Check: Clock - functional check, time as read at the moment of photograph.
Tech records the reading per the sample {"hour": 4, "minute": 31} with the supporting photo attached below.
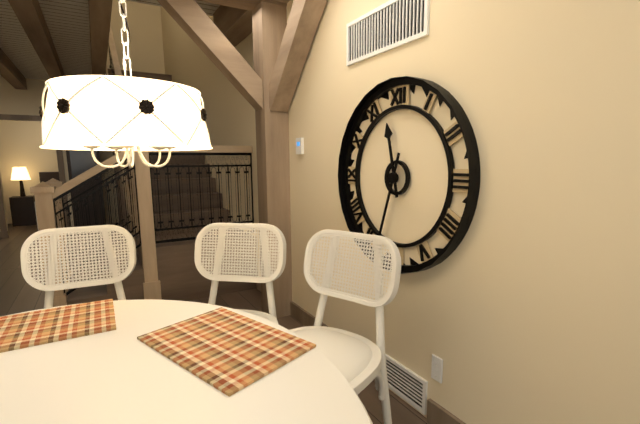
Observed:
{"hour": 11, "minute": 33}
